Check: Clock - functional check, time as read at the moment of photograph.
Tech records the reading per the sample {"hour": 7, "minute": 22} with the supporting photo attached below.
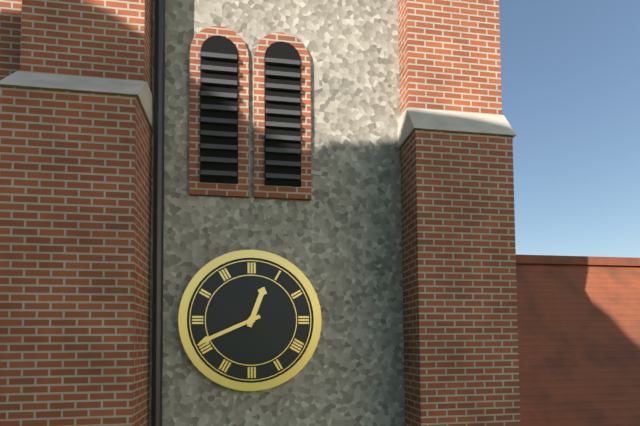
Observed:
{"hour": 12, "minute": 41}
